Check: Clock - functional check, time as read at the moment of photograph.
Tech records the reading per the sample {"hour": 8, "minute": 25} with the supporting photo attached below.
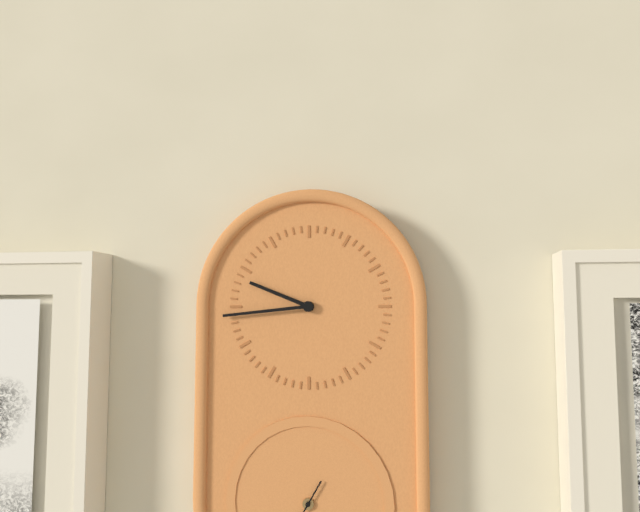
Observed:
{"hour": 9, "minute": 44}
